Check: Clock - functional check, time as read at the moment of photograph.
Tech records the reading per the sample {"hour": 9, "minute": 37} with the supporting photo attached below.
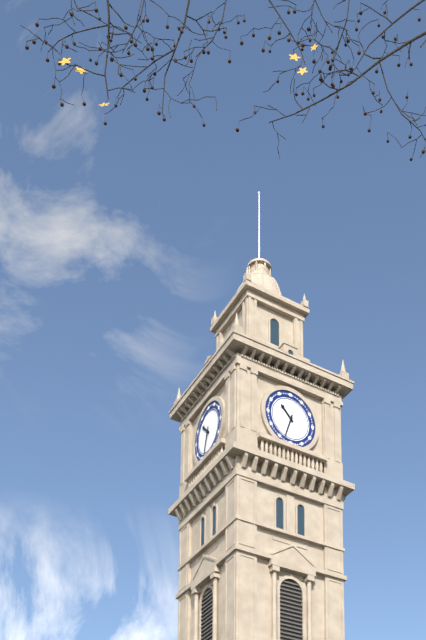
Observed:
{"hour": 10, "minute": 33}
